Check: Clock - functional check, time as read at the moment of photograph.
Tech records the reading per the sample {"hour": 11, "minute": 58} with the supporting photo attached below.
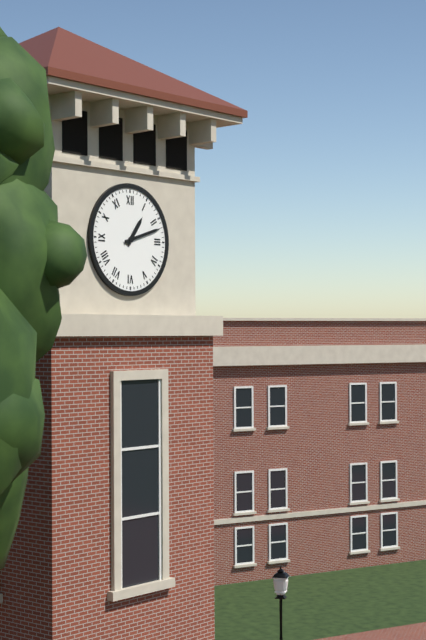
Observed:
{"hour": 1, "minute": 12}
